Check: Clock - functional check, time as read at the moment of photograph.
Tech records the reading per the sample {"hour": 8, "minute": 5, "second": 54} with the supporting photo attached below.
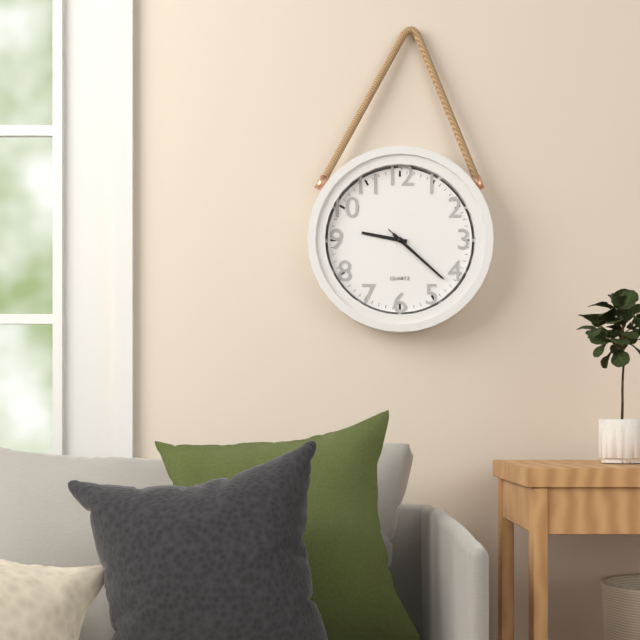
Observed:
{"hour": 9, "minute": 22, "second": 22}
